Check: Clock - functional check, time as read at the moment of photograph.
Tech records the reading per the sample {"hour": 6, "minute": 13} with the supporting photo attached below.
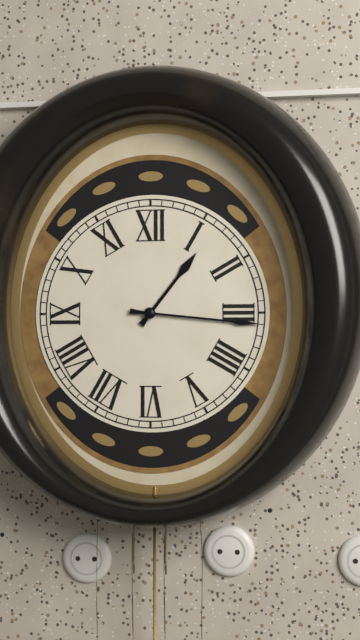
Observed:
{"hour": 1, "minute": 16}
